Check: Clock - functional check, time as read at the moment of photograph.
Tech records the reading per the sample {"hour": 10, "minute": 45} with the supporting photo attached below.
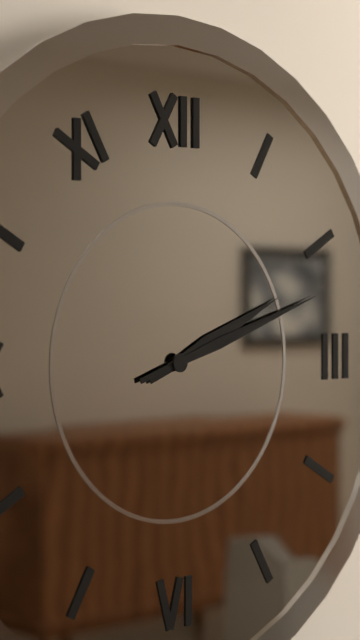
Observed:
{"hour": 2, "minute": 12}
